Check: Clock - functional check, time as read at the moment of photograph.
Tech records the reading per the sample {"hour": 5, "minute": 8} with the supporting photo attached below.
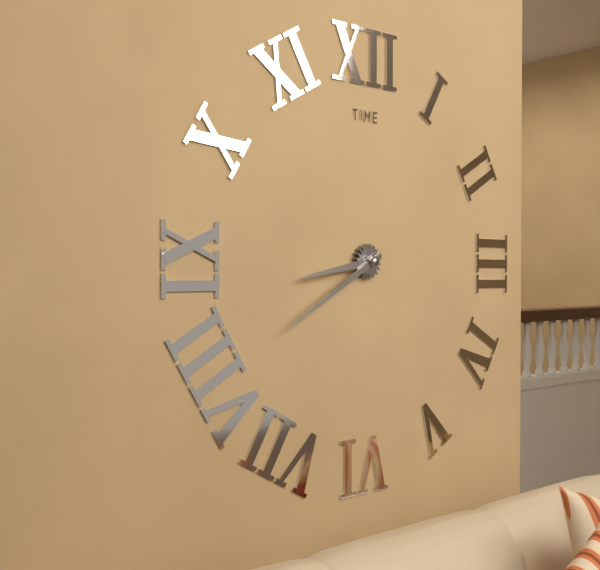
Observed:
{"hour": 8, "minute": 40}
